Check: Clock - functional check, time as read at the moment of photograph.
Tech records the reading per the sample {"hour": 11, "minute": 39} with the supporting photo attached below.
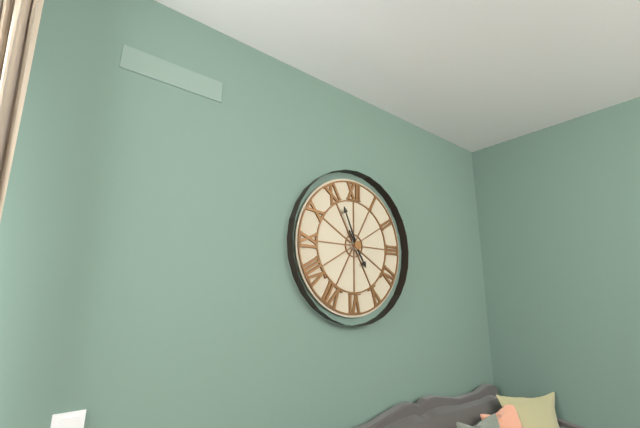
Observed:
{"hour": 4, "minute": 56}
